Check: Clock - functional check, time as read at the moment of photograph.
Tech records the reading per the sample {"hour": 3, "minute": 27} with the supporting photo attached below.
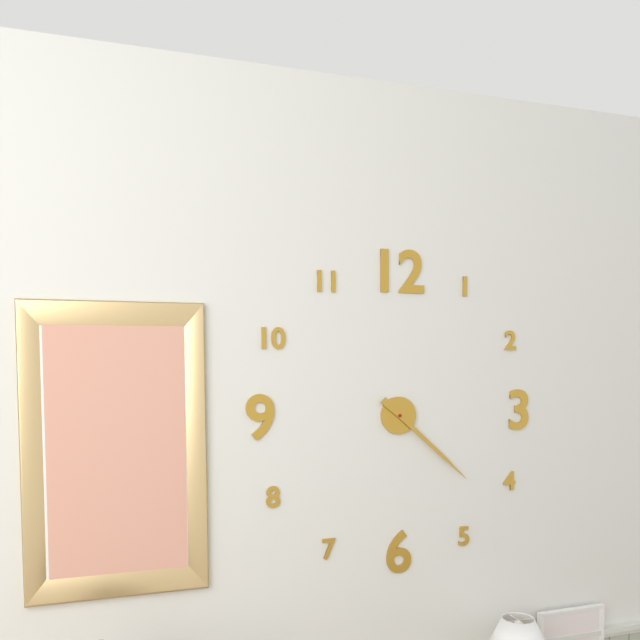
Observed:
{"hour": 4, "minute": 22}
